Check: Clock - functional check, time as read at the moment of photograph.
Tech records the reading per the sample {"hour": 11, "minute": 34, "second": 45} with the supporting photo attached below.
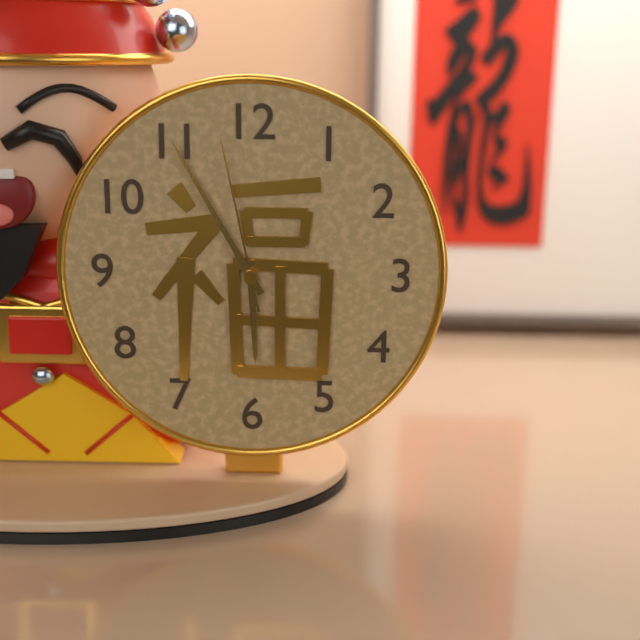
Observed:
{"hour": 5, "minute": 55, "second": 58}
